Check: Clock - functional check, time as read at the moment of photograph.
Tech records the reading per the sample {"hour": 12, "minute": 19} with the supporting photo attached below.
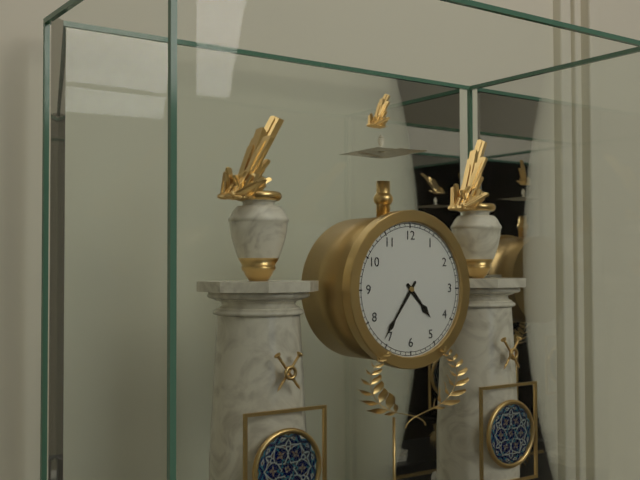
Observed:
{"hour": 4, "minute": 36}
